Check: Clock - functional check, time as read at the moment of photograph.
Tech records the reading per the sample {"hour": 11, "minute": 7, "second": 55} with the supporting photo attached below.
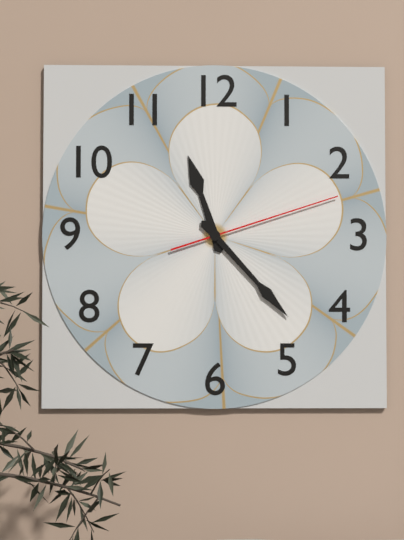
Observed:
{"hour": 11, "minute": 23, "second": 12}
